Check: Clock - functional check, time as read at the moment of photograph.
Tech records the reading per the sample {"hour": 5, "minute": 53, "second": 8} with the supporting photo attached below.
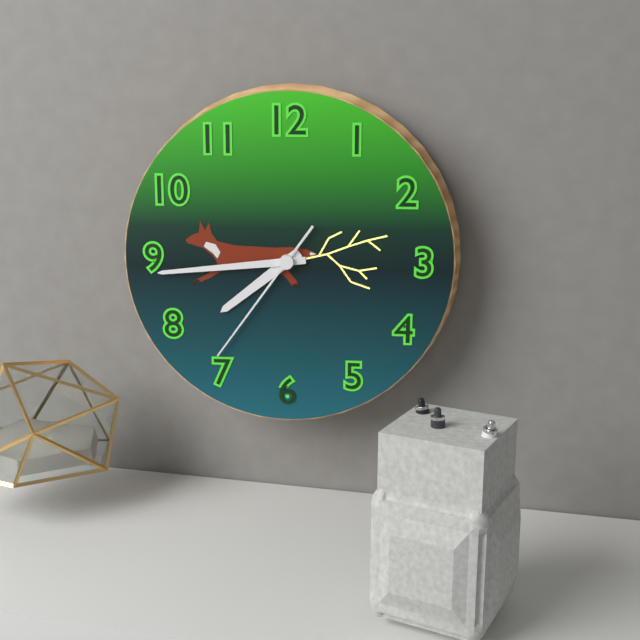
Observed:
{"hour": 7, "minute": 44, "second": 36}
